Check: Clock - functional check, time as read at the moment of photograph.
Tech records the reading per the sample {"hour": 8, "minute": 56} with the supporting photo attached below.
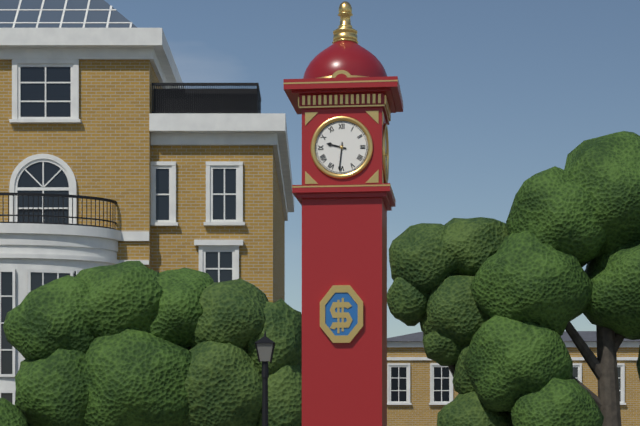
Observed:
{"hour": 9, "minute": 31}
